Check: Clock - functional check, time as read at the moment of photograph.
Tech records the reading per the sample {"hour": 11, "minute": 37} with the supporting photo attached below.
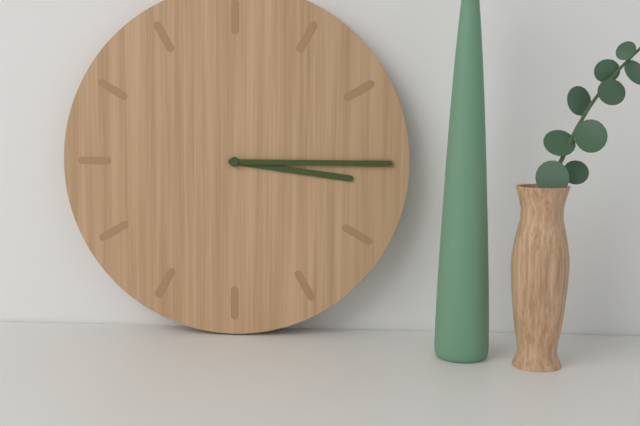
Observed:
{"hour": 3, "minute": 15}
